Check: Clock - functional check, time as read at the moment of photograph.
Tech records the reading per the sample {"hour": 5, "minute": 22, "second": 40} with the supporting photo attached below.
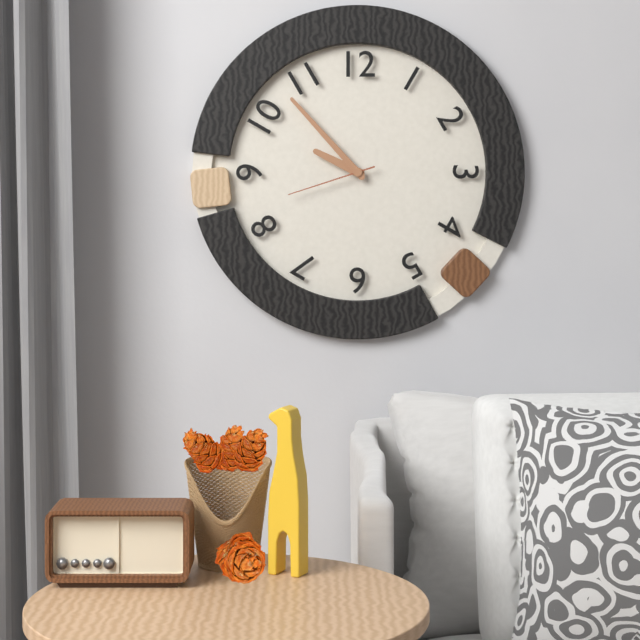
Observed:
{"hour": 9, "minute": 53, "second": 42}
